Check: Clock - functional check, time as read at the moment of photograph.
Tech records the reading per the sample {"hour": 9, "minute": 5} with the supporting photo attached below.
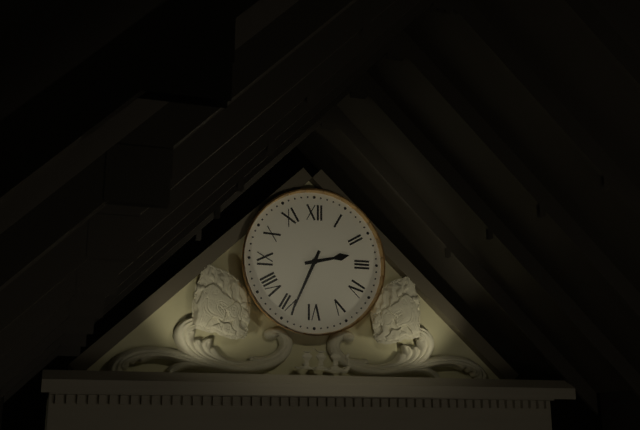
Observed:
{"hour": 2, "minute": 34}
